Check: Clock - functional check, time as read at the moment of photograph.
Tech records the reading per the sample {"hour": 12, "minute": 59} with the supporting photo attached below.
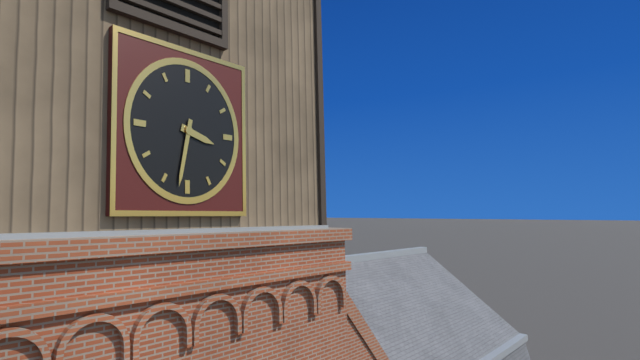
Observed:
{"hour": 3, "minute": 32}
